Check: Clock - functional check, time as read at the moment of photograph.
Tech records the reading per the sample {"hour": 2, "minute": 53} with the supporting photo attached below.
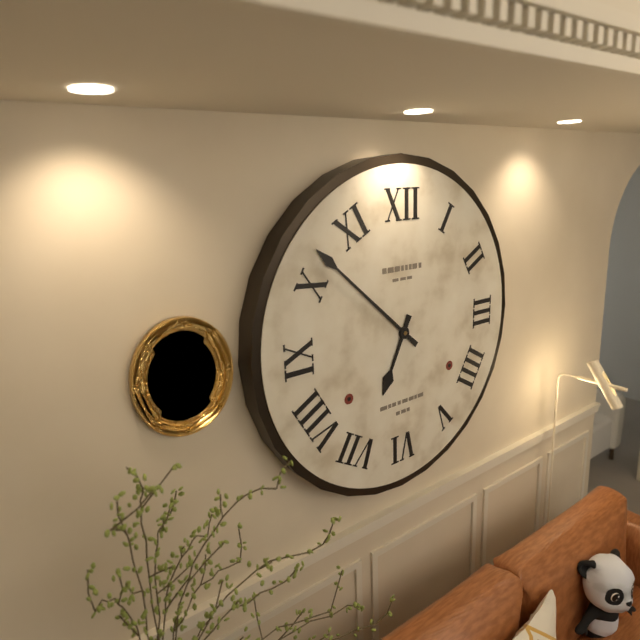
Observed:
{"hour": 6, "minute": 52}
